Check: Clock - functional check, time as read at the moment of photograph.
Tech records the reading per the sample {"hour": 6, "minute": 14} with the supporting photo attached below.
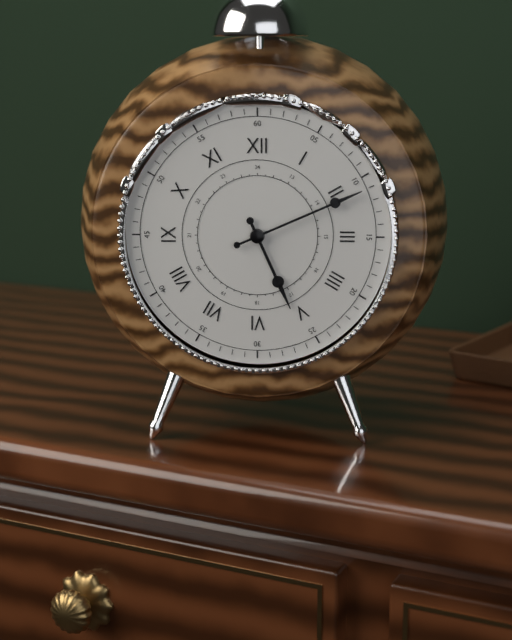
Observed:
{"hour": 5, "minute": 11}
